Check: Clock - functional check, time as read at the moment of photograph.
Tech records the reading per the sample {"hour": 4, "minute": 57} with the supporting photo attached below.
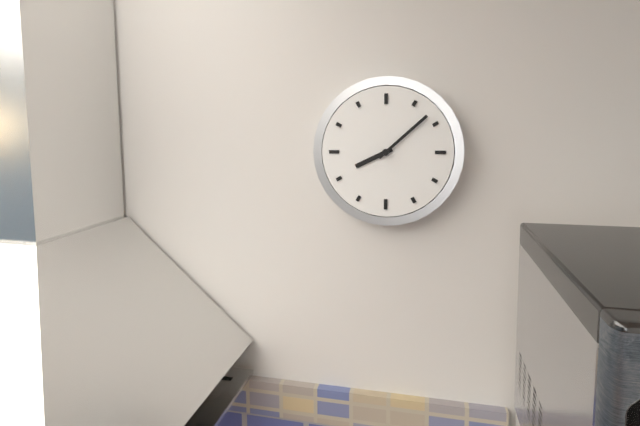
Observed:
{"hour": 8, "minute": 8}
